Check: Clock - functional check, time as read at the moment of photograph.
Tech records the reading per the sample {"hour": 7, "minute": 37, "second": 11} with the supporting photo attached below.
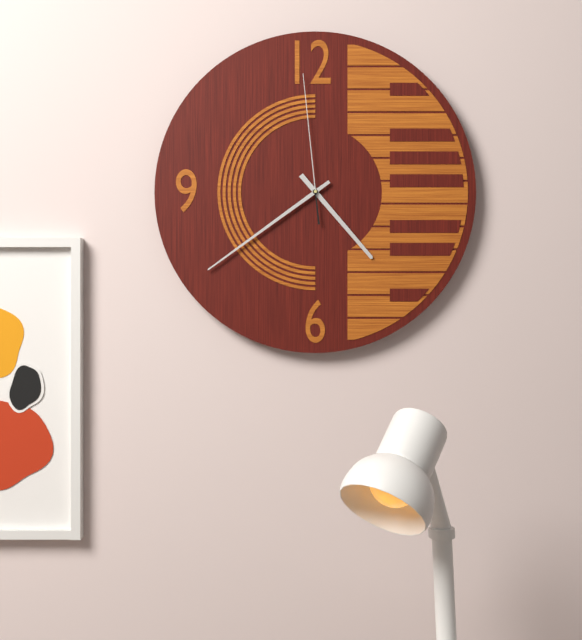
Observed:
{"hour": 4, "minute": 39, "second": 59}
